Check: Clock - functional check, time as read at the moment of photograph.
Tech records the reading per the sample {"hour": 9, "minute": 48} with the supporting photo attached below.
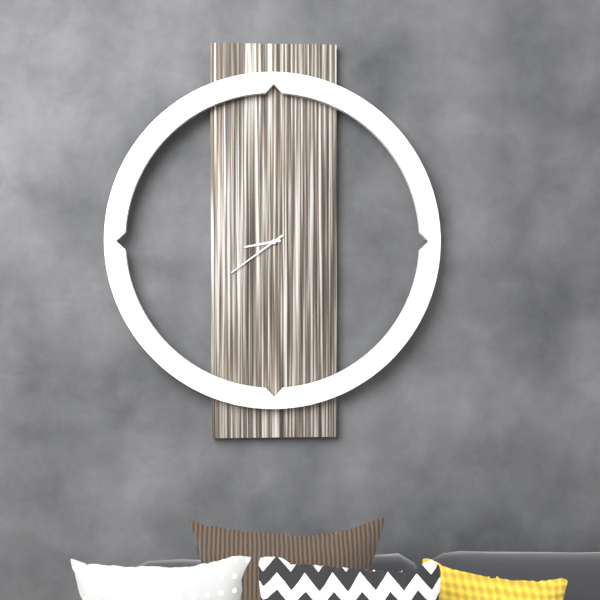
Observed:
{"hour": 8, "minute": 39}
